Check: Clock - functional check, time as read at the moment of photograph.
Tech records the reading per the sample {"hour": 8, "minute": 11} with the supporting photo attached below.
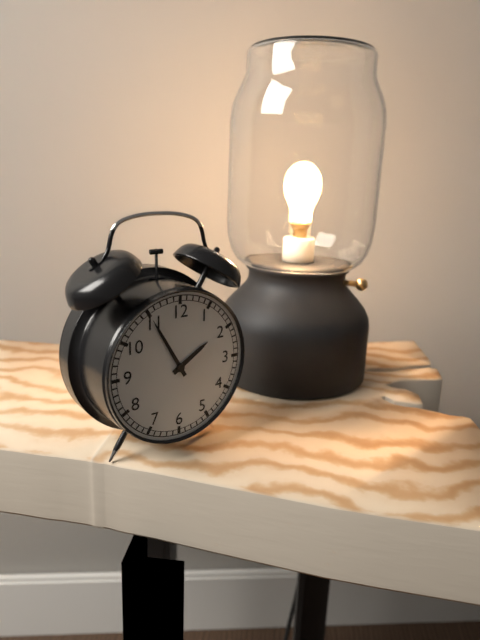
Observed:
{"hour": 1, "minute": 55}
